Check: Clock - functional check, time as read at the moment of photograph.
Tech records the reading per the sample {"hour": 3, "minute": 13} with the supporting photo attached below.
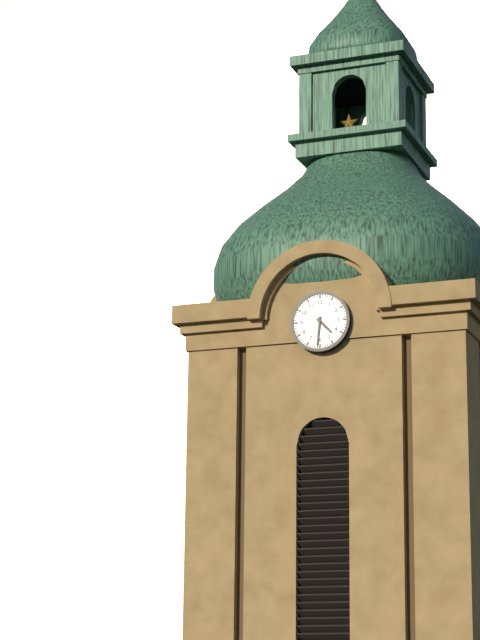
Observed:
{"hour": 4, "minute": 31}
